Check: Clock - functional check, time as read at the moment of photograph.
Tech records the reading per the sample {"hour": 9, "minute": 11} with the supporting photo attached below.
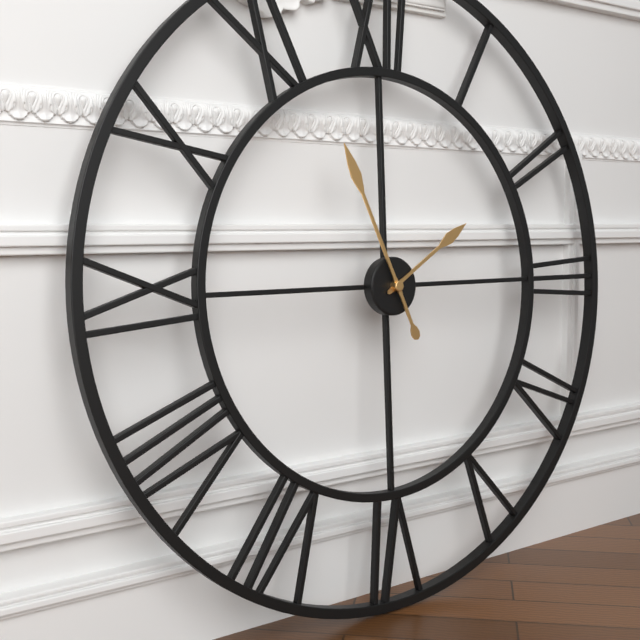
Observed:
{"hour": 1, "minute": 56}
